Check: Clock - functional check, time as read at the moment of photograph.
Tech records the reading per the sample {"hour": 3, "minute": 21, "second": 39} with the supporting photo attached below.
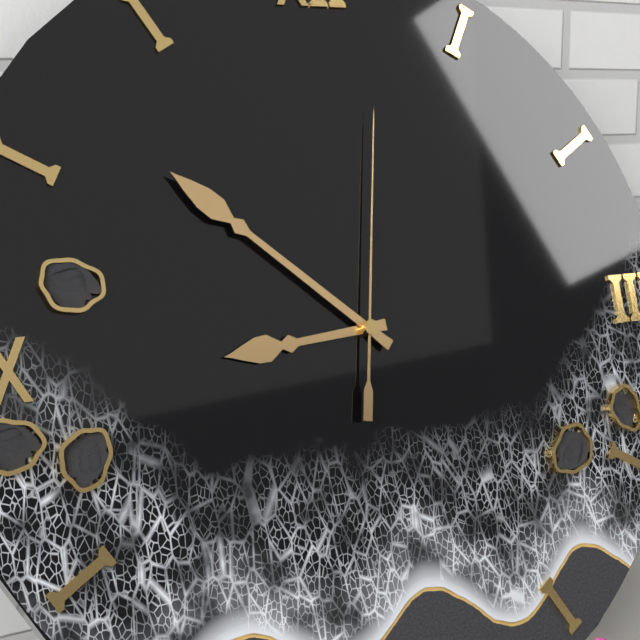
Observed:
{"hour": 8, "minute": 52, "second": 2}
